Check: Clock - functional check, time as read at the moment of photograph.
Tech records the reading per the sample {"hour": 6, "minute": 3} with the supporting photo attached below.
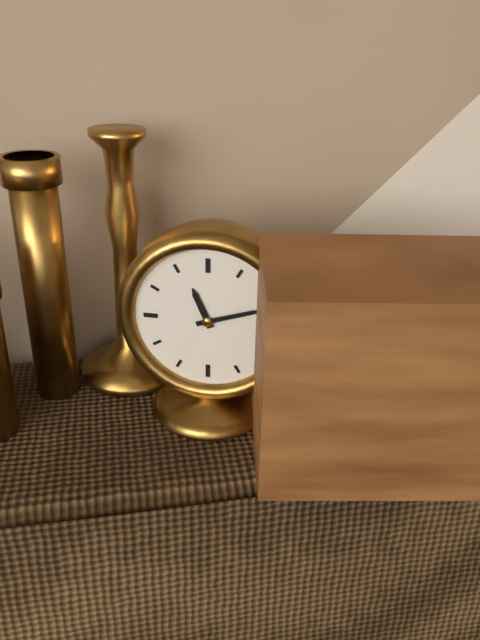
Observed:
{"hour": 11, "minute": 12}
